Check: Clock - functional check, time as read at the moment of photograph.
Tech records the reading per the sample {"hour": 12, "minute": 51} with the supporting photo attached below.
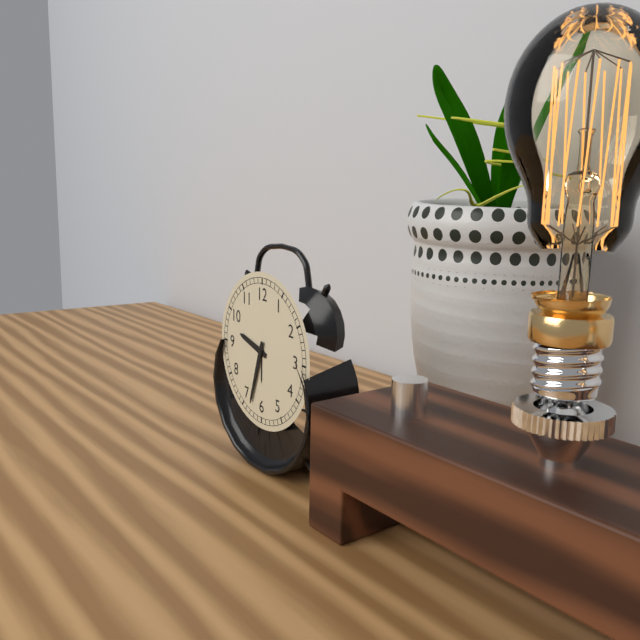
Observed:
{"hour": 9, "minute": 33}
